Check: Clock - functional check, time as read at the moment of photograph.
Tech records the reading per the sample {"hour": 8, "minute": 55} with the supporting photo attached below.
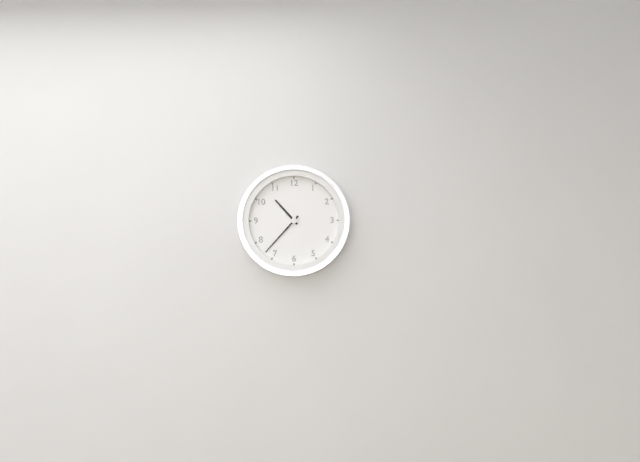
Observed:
{"hour": 10, "minute": 37}
